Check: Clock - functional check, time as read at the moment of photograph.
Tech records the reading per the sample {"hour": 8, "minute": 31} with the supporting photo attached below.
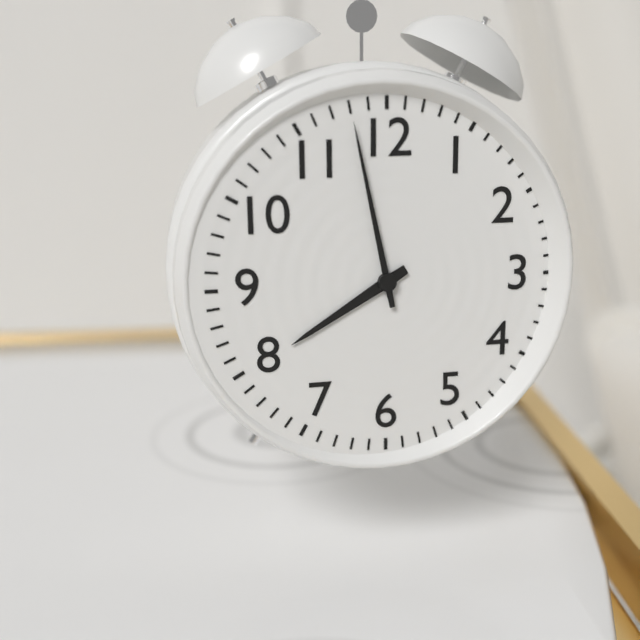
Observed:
{"hour": 7, "minute": 58}
